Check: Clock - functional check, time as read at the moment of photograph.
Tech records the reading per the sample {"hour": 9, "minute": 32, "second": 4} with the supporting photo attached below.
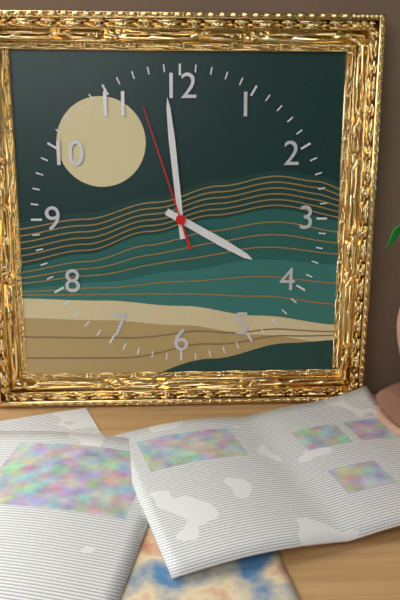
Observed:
{"hour": 3, "minute": 59, "second": 57}
